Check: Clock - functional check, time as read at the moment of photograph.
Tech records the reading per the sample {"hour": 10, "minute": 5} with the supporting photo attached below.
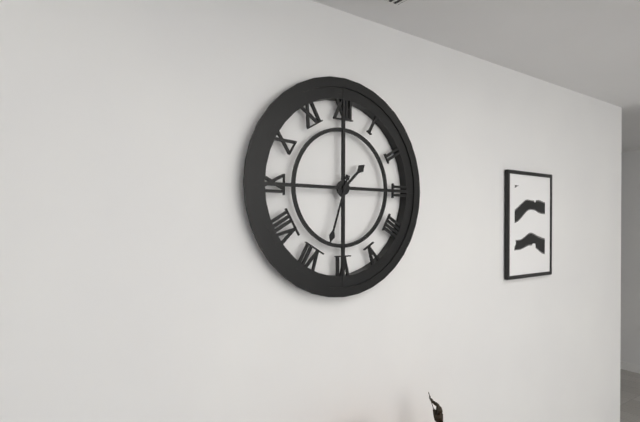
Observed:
{"hour": 1, "minute": 33}
